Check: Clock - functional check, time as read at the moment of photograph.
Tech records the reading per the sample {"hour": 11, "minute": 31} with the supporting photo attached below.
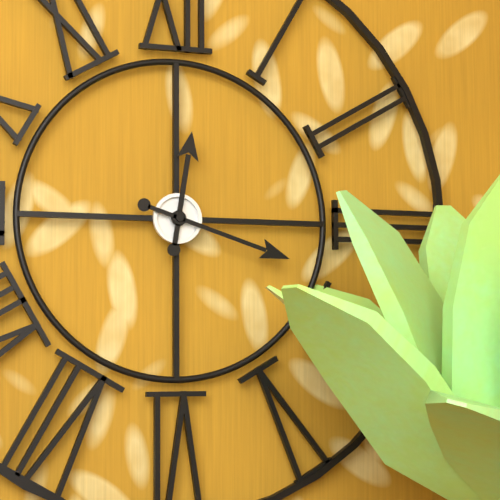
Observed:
{"hour": 12, "minute": 18}
